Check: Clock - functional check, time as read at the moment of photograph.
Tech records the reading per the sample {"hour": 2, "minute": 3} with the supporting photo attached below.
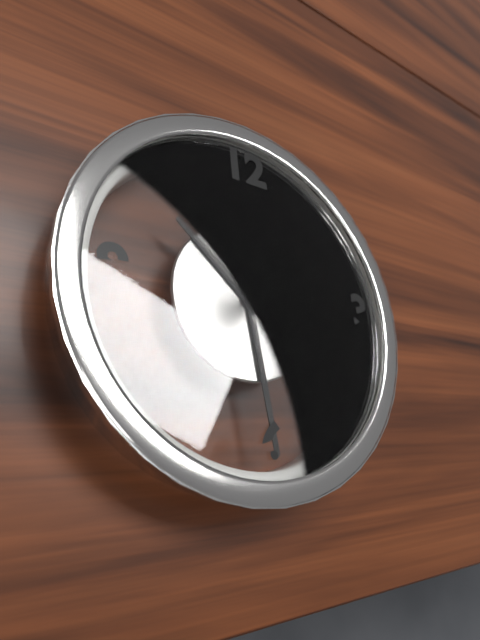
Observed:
{"hour": 10, "minute": 29}
